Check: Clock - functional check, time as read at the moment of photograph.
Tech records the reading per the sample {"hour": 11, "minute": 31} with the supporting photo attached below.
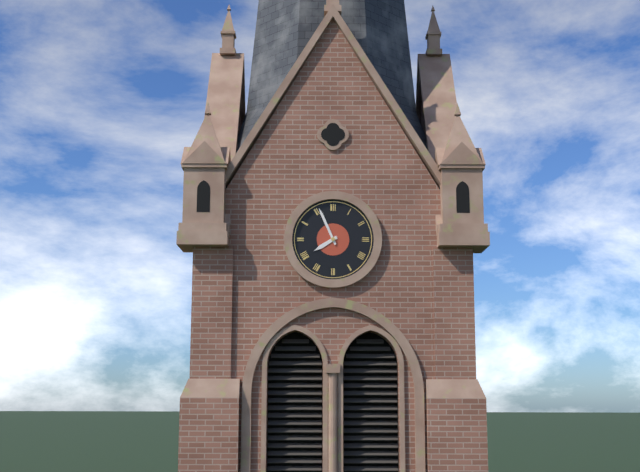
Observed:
{"hour": 7, "minute": 56}
